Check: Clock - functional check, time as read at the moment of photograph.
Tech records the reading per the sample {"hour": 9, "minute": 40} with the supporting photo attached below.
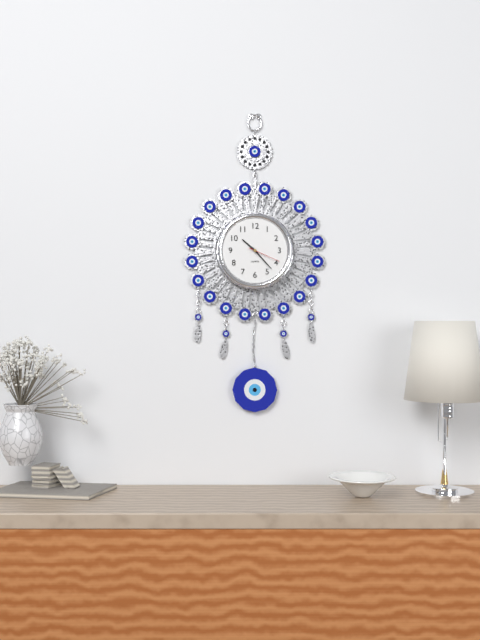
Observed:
{"hour": 10, "minute": 23}
